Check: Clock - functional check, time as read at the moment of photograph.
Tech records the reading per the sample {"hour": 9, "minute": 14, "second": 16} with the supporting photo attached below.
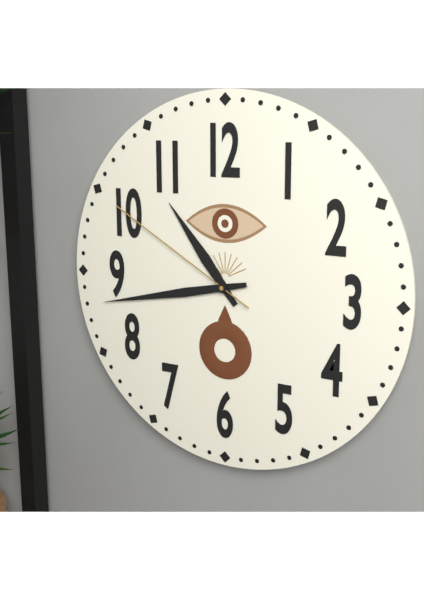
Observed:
{"hour": 10, "minute": 43, "second": 50}
